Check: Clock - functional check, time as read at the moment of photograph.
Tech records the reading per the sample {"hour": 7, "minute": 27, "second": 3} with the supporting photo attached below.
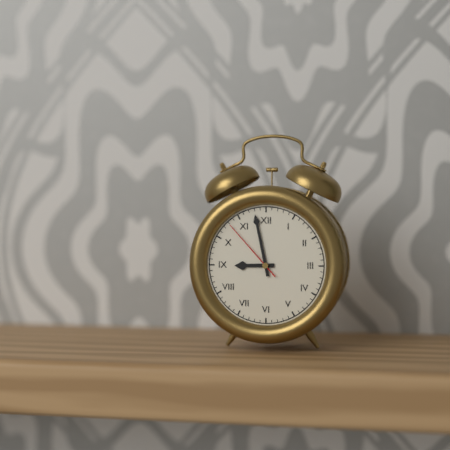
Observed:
{"hour": 8, "minute": 58, "second": 53}
